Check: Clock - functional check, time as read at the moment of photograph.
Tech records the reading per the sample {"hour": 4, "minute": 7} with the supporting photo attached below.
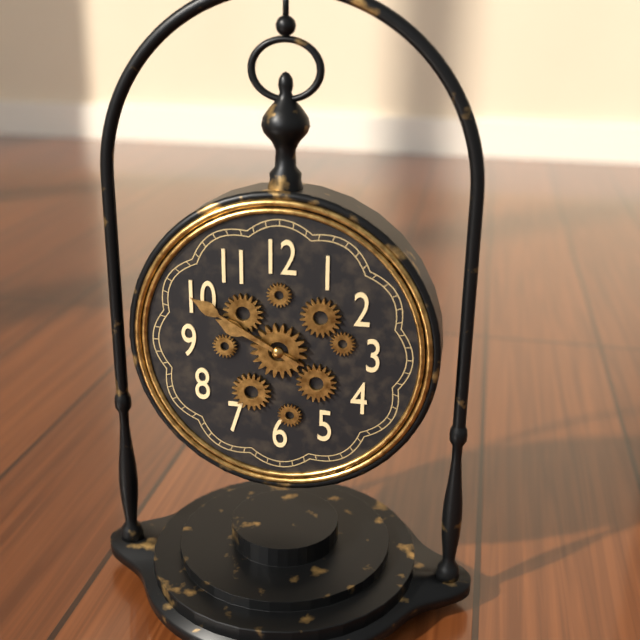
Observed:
{"hour": 9, "minute": 50}
